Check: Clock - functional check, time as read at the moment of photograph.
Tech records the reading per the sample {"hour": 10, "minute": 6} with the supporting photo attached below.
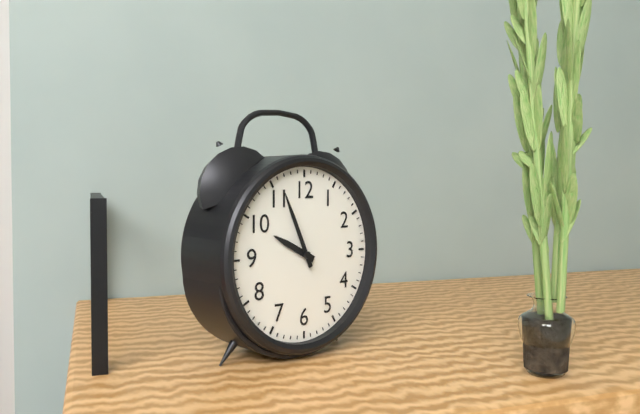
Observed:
{"hour": 9, "minute": 56}
